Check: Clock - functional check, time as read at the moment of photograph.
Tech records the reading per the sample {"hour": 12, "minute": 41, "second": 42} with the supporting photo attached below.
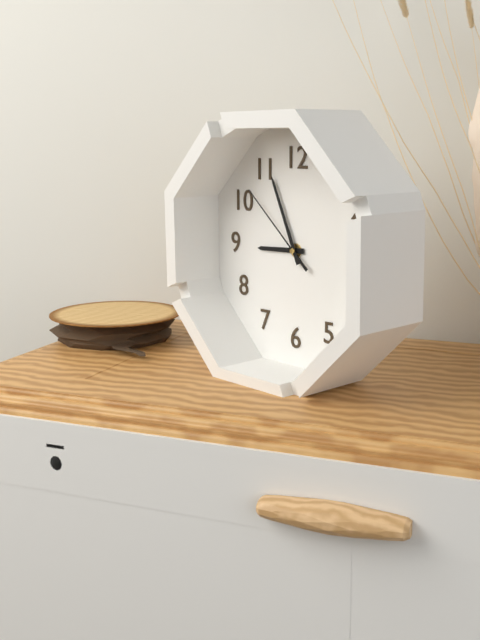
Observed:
{"hour": 8, "minute": 56, "second": 52}
